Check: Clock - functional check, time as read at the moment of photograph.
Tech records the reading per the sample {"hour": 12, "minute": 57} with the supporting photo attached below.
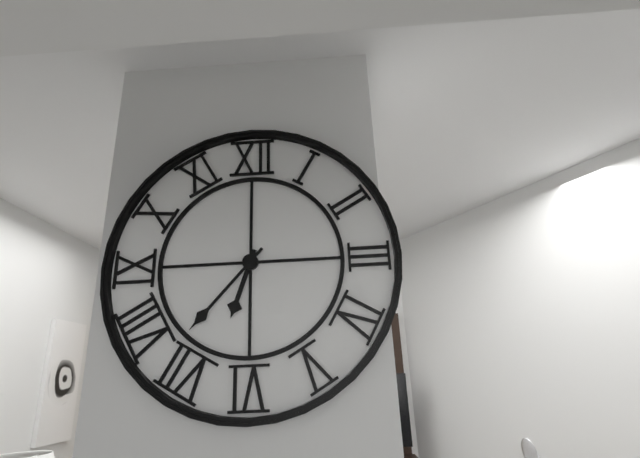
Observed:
{"hour": 6, "minute": 37}
